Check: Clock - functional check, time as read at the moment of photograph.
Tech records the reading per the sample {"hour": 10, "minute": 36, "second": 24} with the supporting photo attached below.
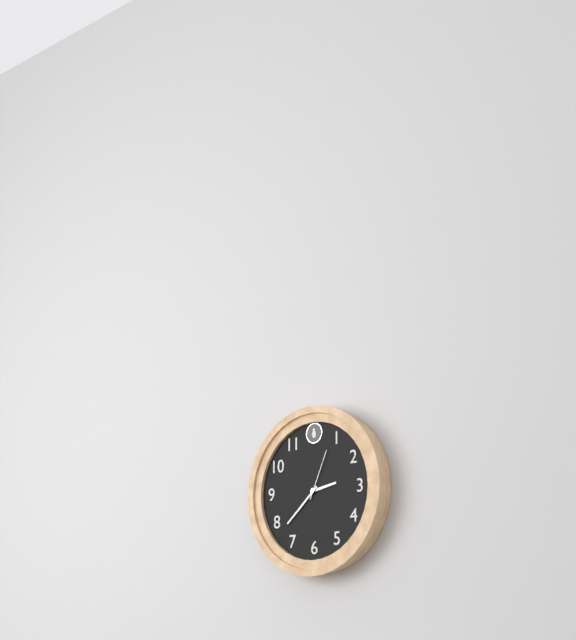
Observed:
{"hour": 2, "minute": 38, "second": 4}
